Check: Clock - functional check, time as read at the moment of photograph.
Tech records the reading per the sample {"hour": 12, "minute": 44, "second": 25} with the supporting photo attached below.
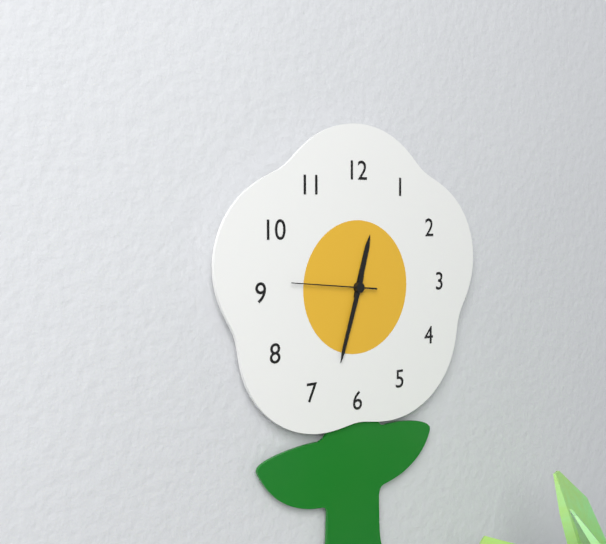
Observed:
{"hour": 12, "minute": 33, "second": 46}
